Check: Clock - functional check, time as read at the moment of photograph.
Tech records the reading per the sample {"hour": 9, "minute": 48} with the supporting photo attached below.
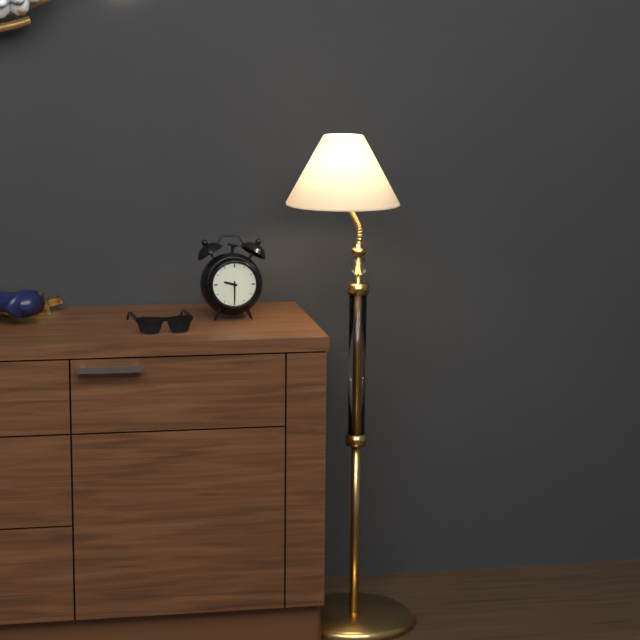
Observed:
{"hour": 9, "minute": 30}
